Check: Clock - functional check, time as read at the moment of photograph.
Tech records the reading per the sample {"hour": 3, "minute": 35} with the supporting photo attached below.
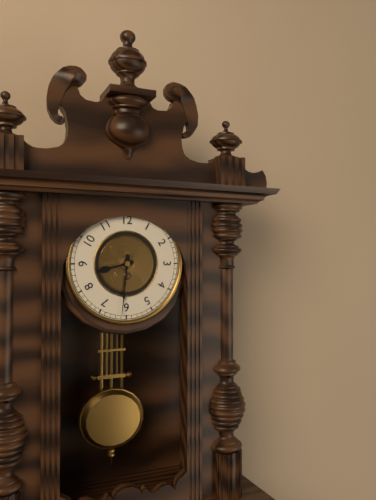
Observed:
{"hour": 8, "minute": 31}
